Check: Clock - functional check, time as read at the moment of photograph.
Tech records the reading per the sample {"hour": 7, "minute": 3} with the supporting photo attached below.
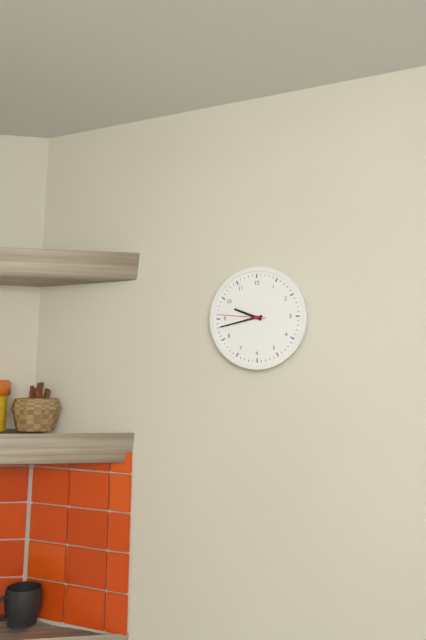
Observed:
{"hour": 9, "minute": 43}
